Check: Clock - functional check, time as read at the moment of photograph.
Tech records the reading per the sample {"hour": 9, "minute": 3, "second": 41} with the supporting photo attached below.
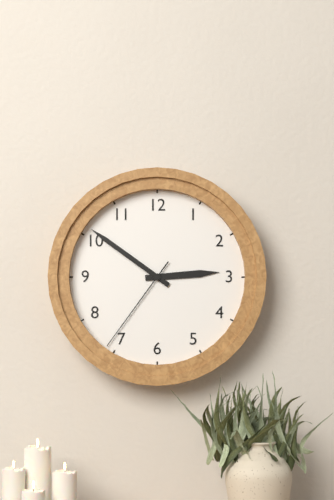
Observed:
{"hour": 2, "minute": 51, "second": 36}
